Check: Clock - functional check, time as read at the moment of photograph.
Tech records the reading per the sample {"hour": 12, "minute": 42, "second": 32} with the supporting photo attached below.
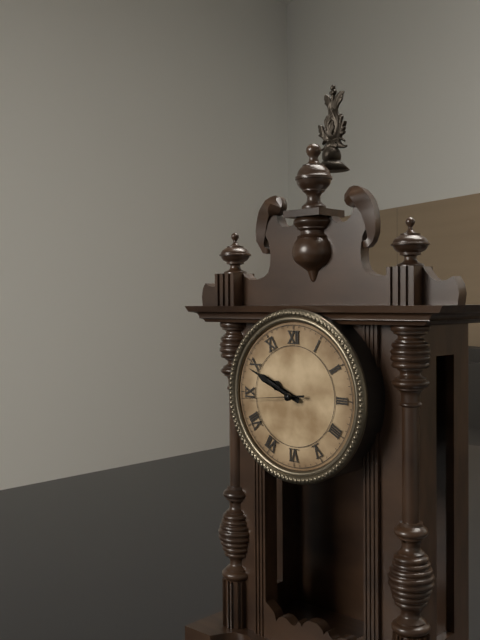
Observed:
{"hour": 9, "minute": 49, "second": 44}
